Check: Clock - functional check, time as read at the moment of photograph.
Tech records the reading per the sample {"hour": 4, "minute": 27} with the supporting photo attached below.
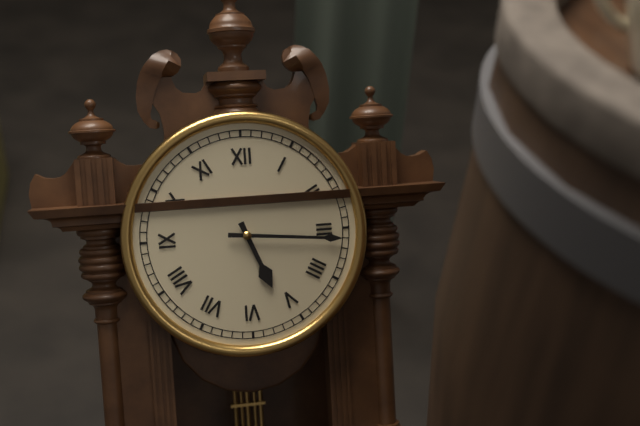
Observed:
{"hour": 5, "minute": 16}
